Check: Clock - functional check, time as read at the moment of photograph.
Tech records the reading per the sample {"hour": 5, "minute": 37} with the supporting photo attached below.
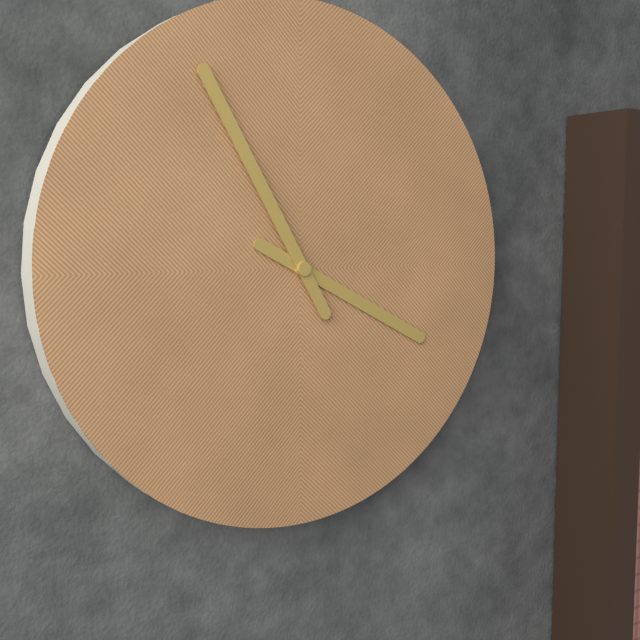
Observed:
{"hour": 3, "minute": 55}
